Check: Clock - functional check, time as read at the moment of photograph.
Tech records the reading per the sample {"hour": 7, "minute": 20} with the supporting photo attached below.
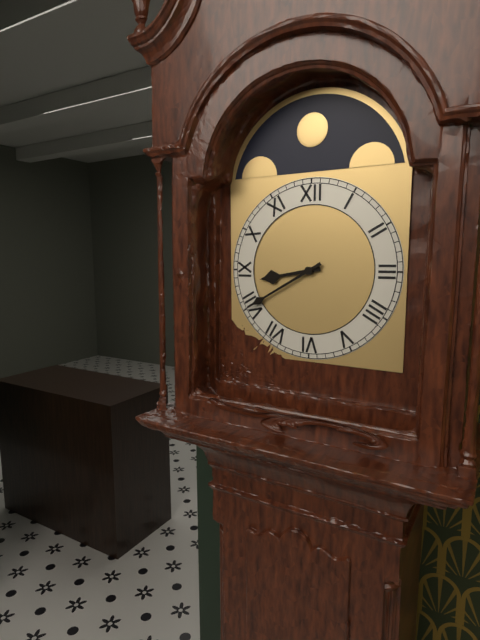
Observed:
{"hour": 8, "minute": 40}
